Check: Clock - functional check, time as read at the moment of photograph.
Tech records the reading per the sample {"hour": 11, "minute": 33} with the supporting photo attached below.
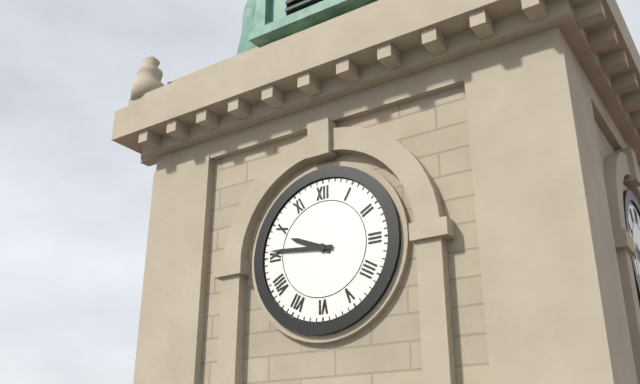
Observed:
{"hour": 9, "minute": 46}
